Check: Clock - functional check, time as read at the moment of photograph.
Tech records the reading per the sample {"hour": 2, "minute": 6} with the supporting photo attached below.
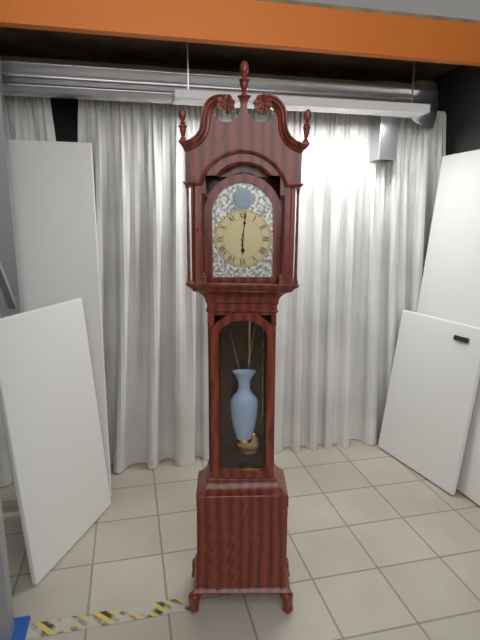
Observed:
{"hour": 6, "minute": 1}
